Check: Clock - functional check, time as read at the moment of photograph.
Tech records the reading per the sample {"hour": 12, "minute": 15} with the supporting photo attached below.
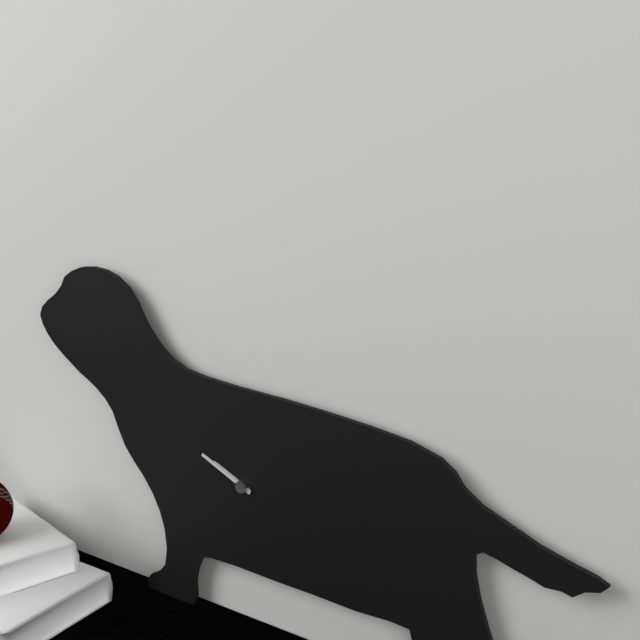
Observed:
{"hour": 9, "minute": 49}
